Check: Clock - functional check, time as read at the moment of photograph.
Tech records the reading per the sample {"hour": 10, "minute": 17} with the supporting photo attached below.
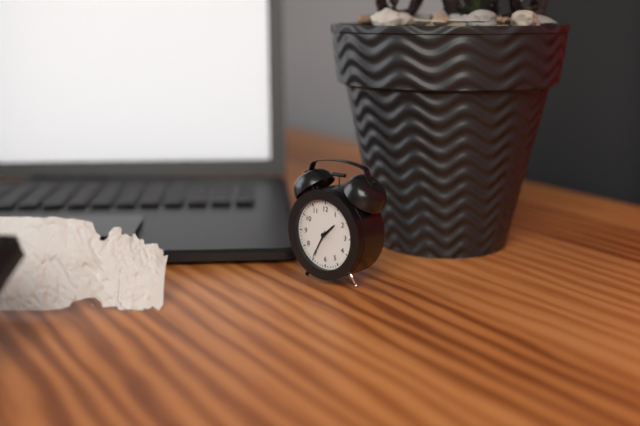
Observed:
{"hour": 1, "minute": 35}
